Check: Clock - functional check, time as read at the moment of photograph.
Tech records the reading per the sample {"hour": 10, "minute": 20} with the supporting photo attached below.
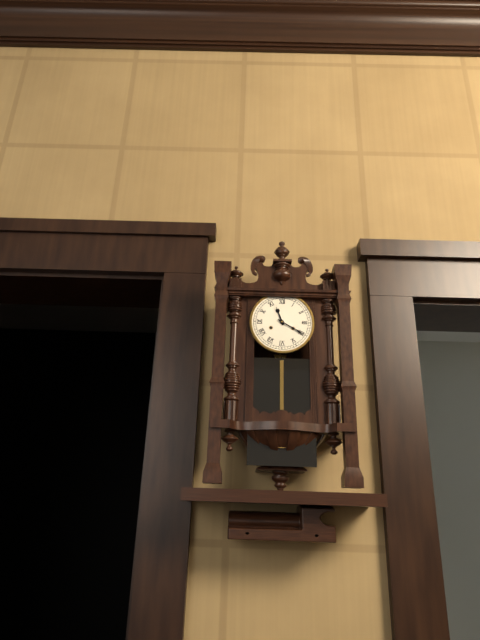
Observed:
{"hour": 11, "minute": 20}
